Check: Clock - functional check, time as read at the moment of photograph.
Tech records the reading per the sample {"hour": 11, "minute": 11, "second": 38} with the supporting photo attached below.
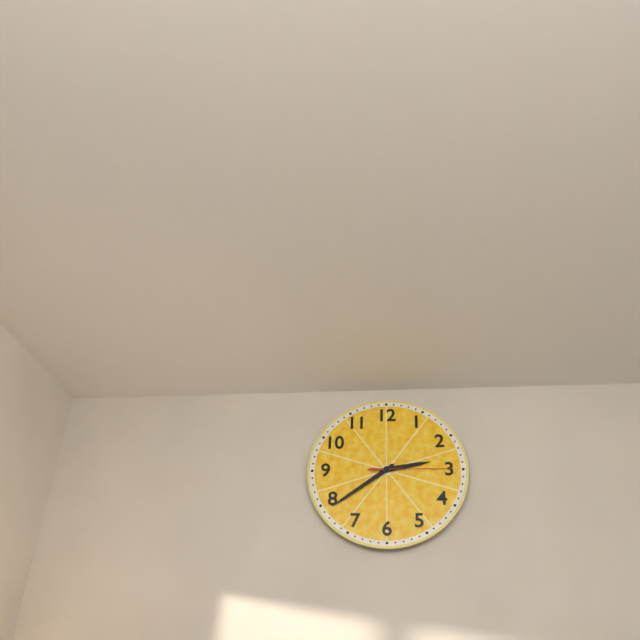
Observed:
{"hour": 2, "minute": 39, "second": 15}
